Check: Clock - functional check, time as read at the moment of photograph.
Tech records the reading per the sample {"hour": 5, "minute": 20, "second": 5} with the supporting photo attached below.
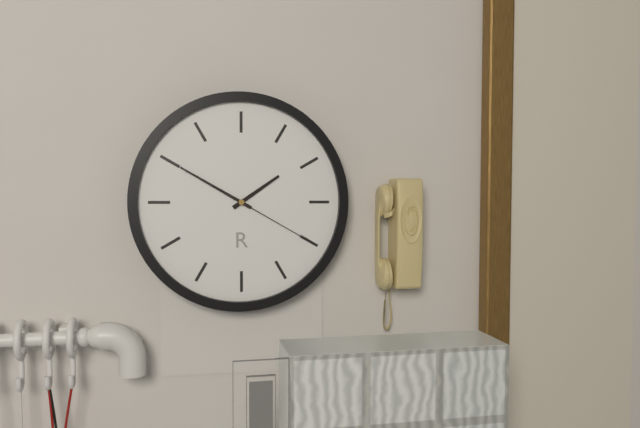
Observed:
{"hour": 1, "minute": 50, "second": 20}
